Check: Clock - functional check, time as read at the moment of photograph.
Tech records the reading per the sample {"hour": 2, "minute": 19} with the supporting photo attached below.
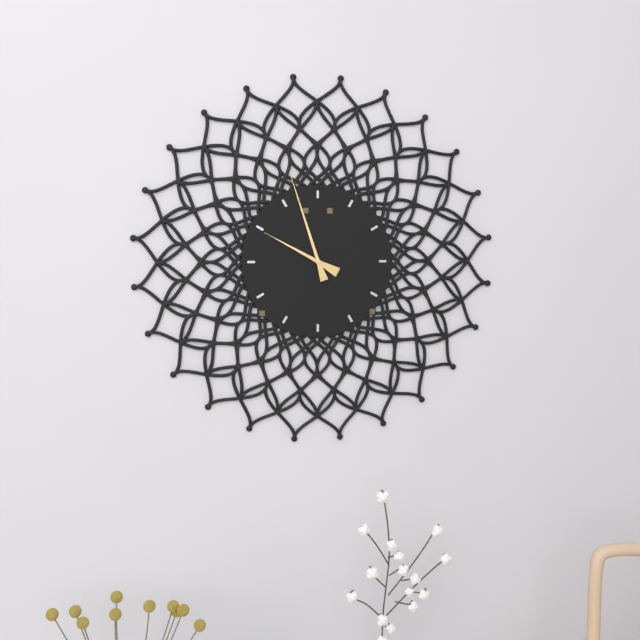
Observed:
{"hour": 9, "minute": 57}
